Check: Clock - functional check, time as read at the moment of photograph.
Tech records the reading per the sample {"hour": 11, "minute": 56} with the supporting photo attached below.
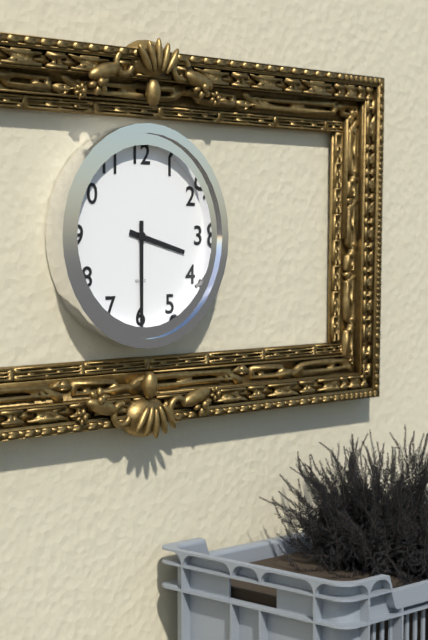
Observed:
{"hour": 3, "minute": 30}
